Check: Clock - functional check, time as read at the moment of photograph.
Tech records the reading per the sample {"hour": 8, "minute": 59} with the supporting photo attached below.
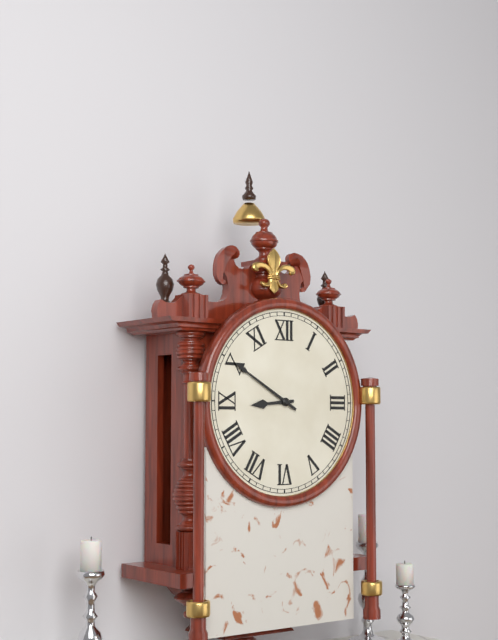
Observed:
{"hour": 8, "minute": 50}
